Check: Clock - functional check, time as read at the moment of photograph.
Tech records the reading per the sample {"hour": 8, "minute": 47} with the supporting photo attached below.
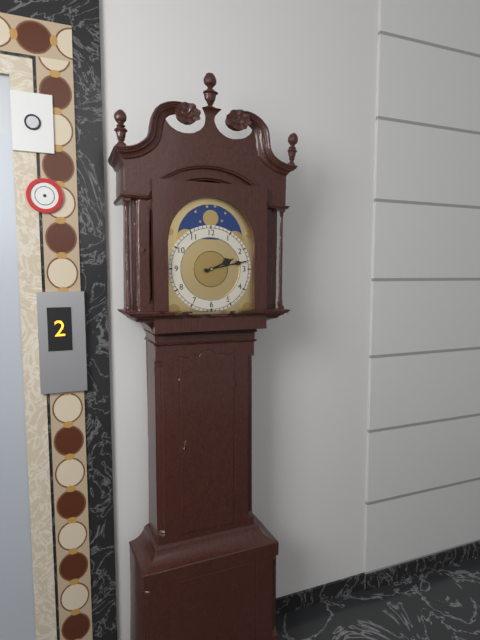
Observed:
{"hour": 2, "minute": 13}
